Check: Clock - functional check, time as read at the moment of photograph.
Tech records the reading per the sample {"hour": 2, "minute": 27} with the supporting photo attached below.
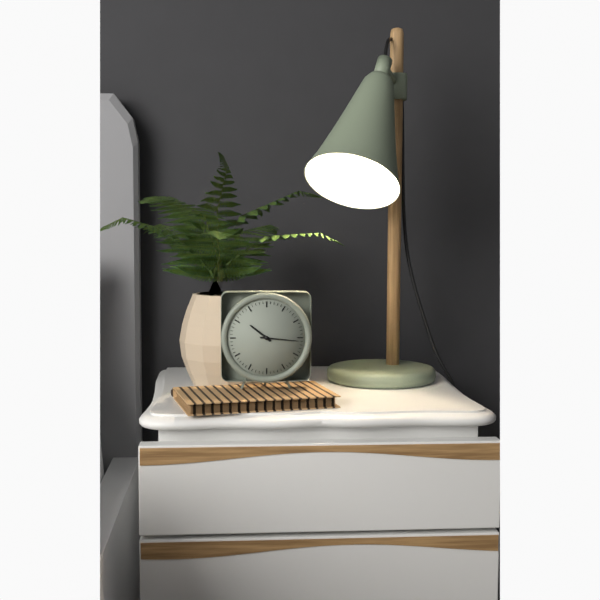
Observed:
{"hour": 10, "minute": 16}
